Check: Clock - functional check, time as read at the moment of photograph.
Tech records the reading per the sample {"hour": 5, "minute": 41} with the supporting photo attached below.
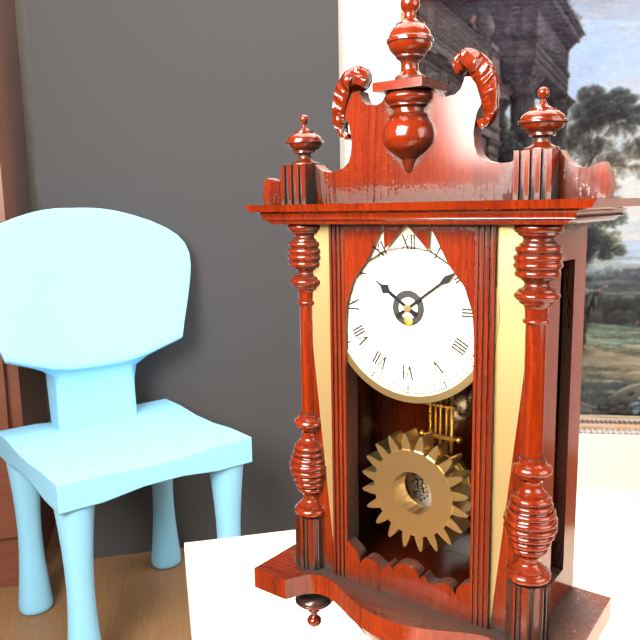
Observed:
{"hour": 10, "minute": 9}
